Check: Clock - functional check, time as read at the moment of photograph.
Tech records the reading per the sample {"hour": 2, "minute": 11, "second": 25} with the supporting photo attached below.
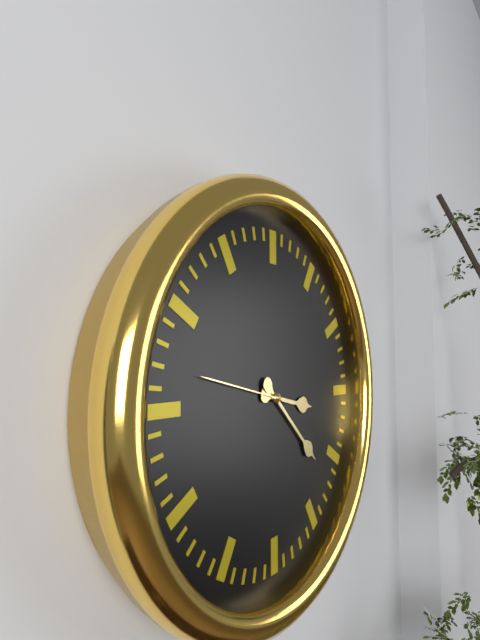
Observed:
{"hour": 3, "minute": 22, "second": 47}
